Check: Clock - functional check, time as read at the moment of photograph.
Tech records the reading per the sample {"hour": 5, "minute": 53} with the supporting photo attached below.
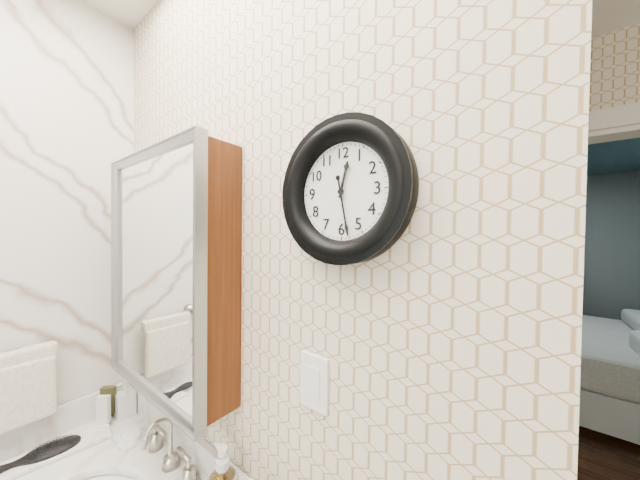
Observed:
{"hour": 12, "minute": 28}
